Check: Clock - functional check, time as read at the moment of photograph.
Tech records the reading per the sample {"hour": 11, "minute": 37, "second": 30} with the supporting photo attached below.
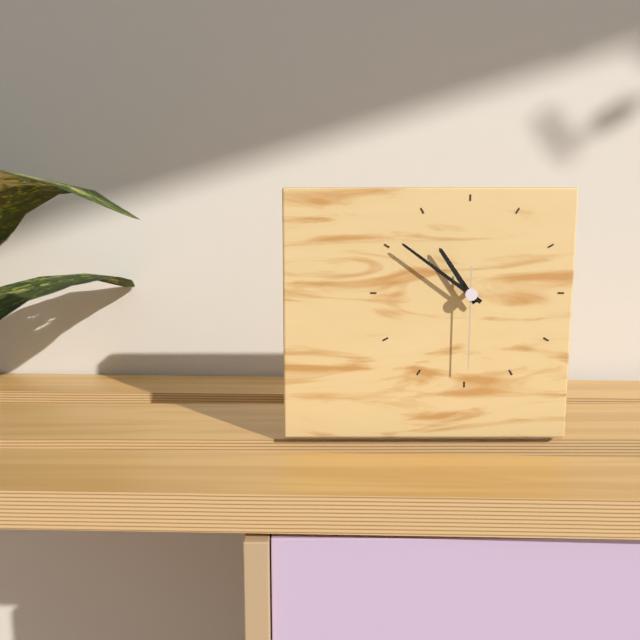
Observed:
{"hour": 10, "minute": 51, "second": 30}
